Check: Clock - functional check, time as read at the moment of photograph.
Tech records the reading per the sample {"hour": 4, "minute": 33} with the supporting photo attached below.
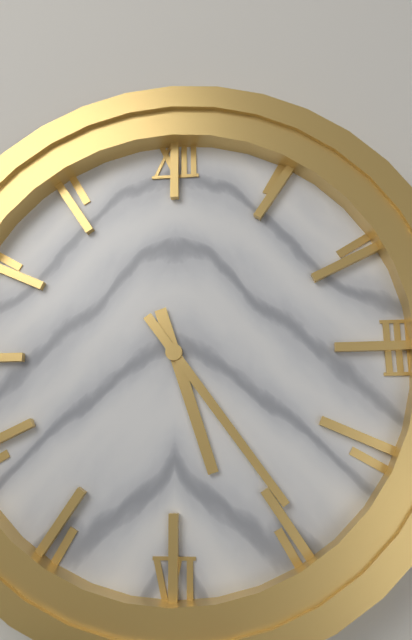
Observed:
{"hour": 5, "minute": 24}
